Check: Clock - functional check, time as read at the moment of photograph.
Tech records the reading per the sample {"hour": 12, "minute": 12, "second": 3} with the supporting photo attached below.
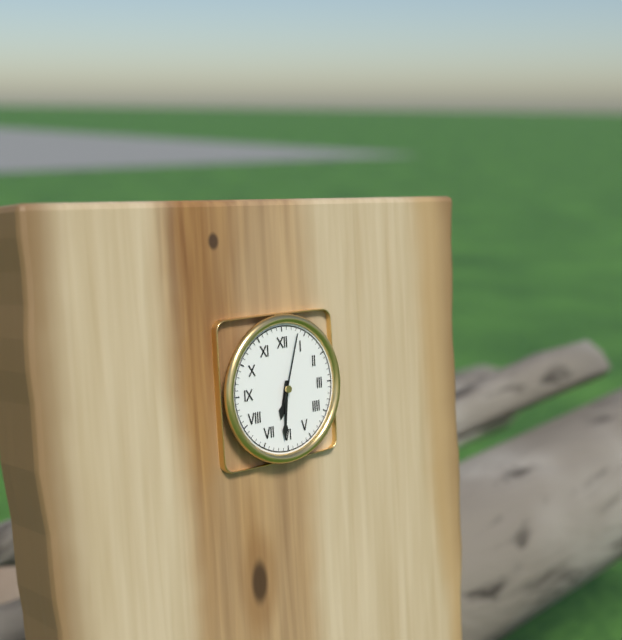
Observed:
{"hour": 6, "minute": 31, "second": 3}
